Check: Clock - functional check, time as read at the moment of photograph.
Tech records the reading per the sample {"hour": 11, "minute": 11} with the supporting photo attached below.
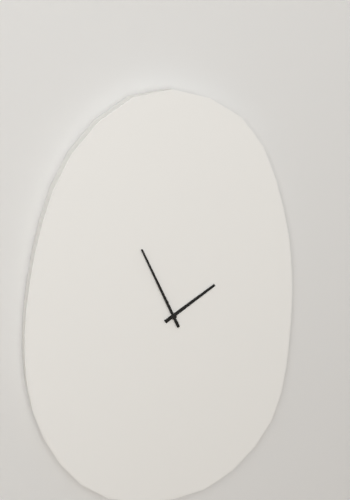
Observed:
{"hour": 1, "minute": 56}
